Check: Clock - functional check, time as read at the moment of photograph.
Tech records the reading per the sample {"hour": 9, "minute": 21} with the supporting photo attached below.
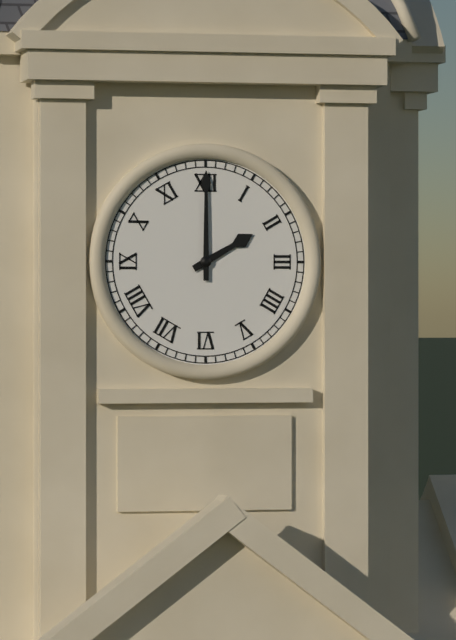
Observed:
{"hour": 2, "minute": 0}
